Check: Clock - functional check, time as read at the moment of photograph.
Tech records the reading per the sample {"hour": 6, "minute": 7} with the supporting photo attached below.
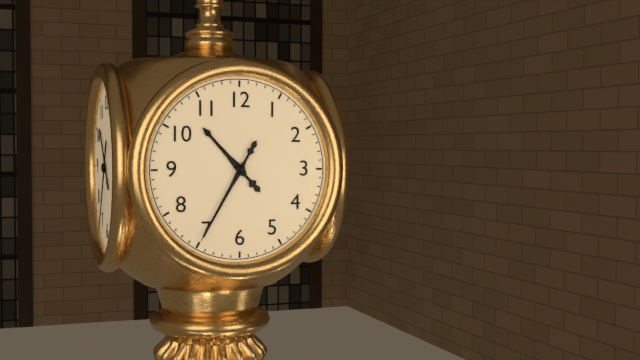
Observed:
{"hour": 10, "minute": 35}
